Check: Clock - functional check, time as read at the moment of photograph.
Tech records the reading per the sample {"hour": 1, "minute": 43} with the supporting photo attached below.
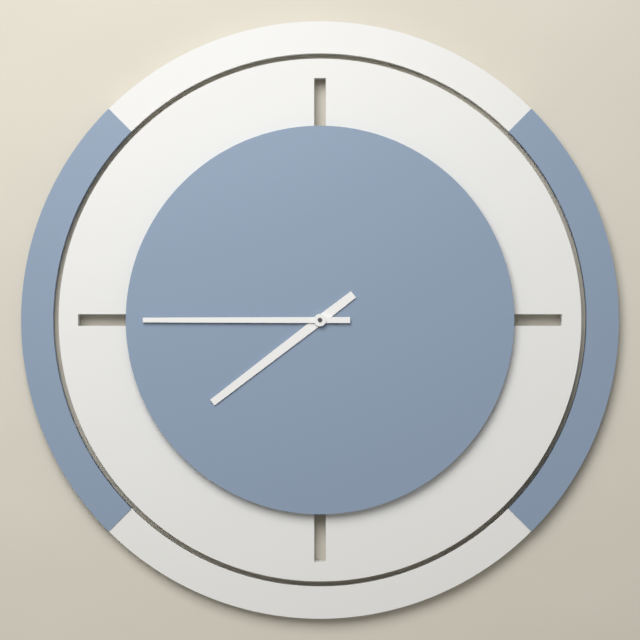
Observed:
{"hour": 7, "minute": 45}
